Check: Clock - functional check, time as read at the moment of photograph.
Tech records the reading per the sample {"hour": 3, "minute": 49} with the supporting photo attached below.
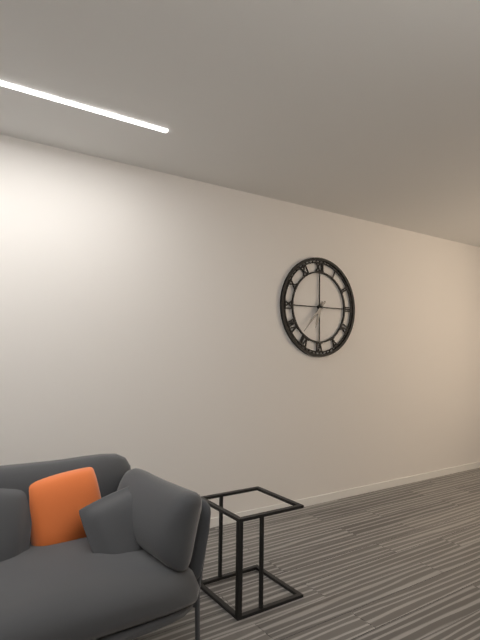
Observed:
{"hour": 6, "minute": 37}
